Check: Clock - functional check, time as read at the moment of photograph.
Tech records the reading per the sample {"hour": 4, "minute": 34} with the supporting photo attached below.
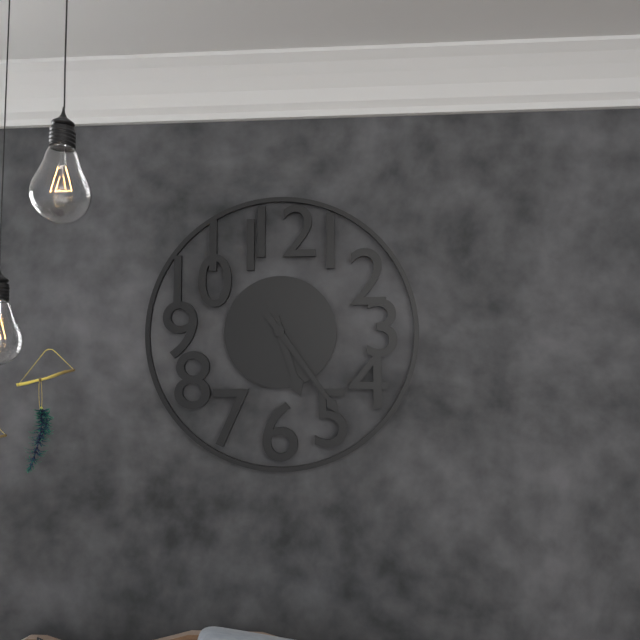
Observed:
{"hour": 5, "minute": 24}
